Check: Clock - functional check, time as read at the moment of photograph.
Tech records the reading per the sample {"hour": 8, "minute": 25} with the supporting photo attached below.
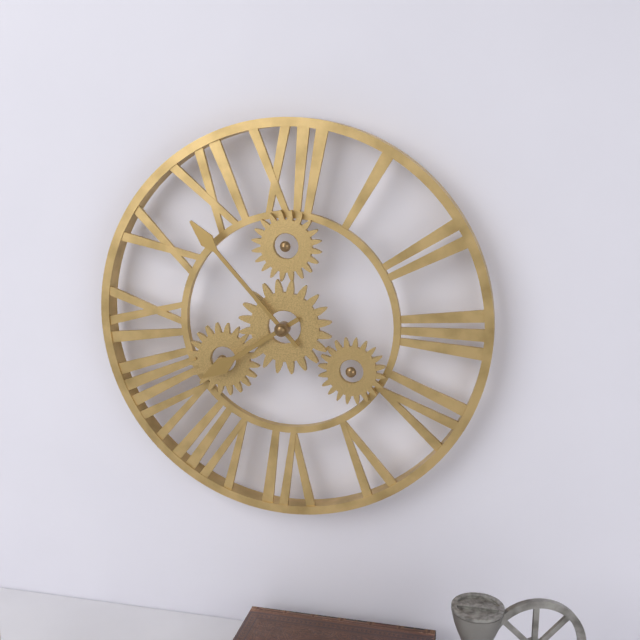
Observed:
{"hour": 7, "minute": 53}
